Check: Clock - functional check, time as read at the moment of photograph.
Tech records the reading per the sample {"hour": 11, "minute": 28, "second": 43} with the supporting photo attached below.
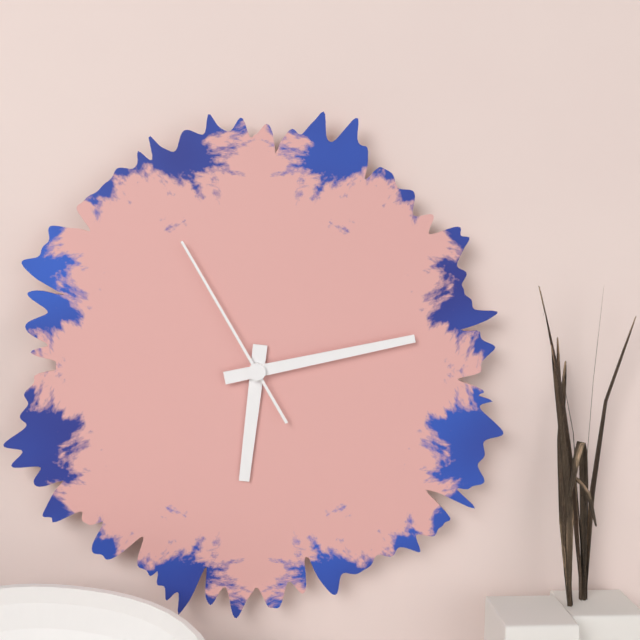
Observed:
{"hour": 6, "minute": 13, "second": 55}
